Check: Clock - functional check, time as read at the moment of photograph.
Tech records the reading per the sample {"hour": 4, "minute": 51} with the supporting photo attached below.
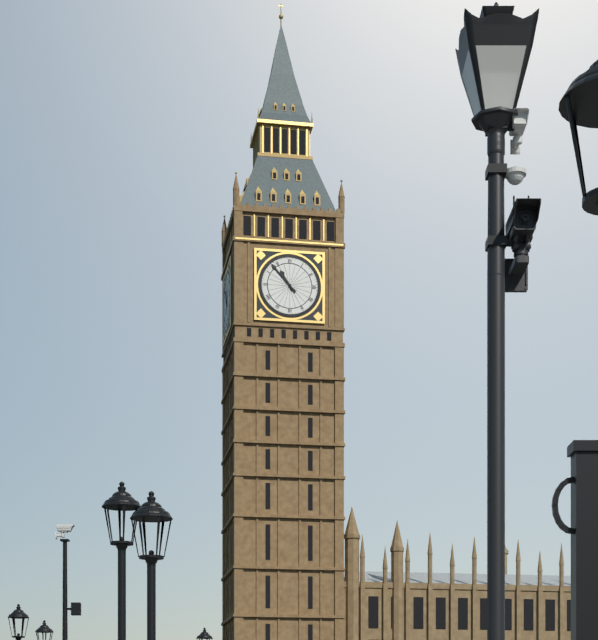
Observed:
{"hour": 10, "minute": 53}
